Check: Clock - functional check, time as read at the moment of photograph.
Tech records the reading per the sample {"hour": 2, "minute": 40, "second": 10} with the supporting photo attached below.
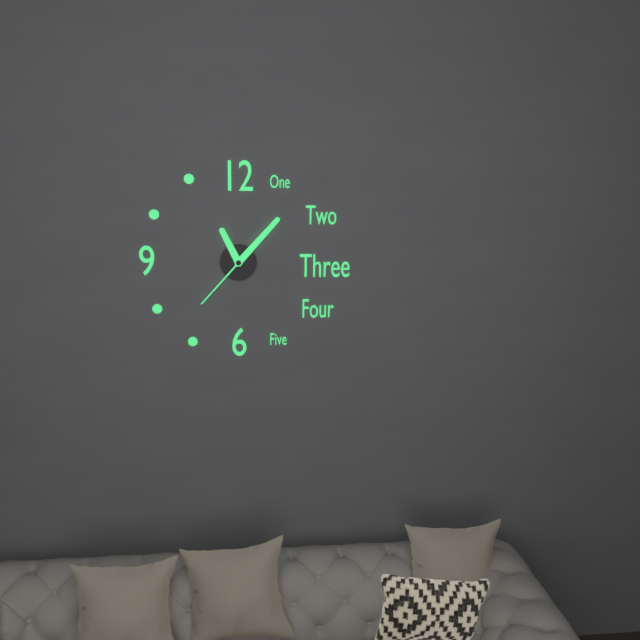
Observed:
{"hour": 11, "minute": 7, "second": 37}
